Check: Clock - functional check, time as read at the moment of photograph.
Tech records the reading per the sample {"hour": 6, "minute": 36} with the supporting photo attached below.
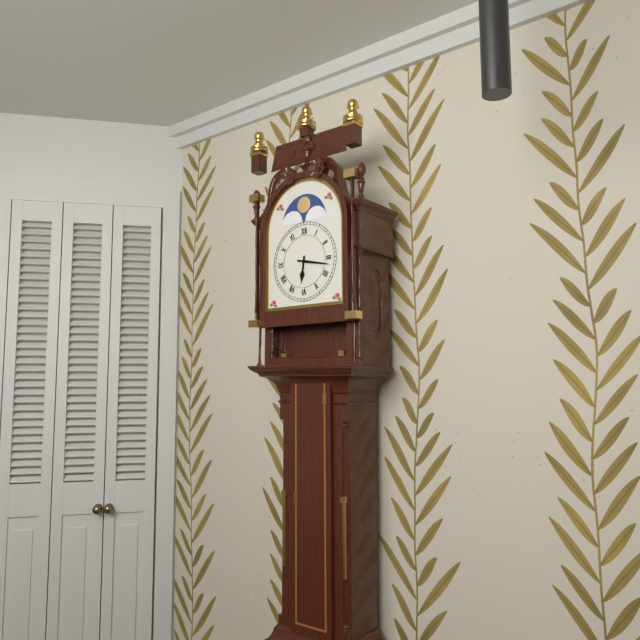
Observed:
{"hour": 6, "minute": 17}
